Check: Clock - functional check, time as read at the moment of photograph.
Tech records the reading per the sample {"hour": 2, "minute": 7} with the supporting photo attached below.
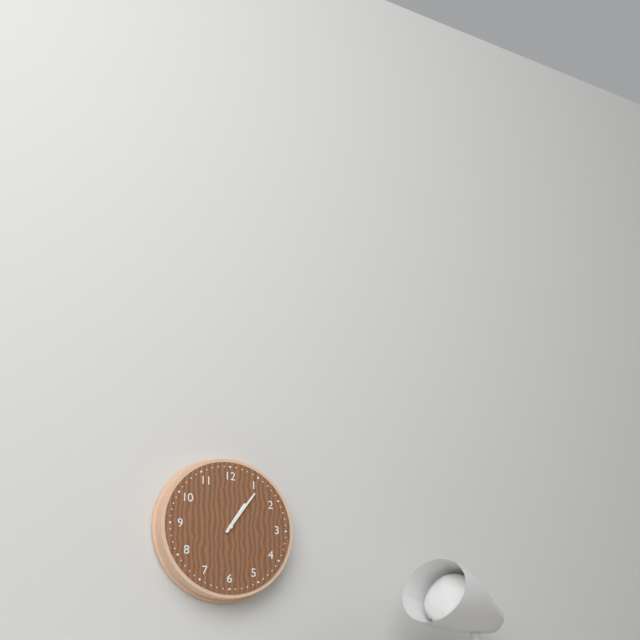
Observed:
{"hour": 1, "minute": 6}
